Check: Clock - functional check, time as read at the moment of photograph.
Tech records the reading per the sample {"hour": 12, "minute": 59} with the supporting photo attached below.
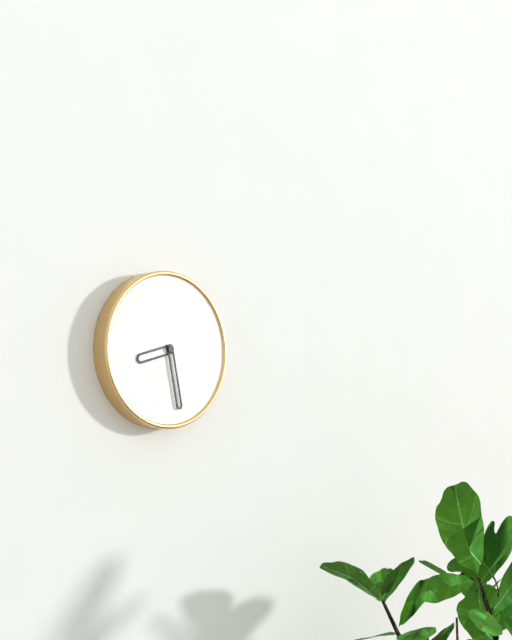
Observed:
{"hour": 8, "minute": 28}
